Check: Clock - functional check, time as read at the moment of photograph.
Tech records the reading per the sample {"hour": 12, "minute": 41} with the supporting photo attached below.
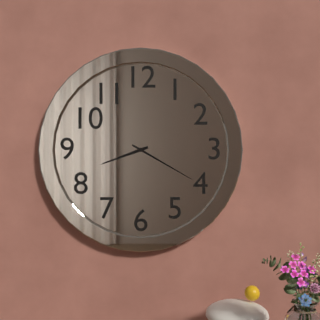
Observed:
{"hour": 8, "minute": 20}
